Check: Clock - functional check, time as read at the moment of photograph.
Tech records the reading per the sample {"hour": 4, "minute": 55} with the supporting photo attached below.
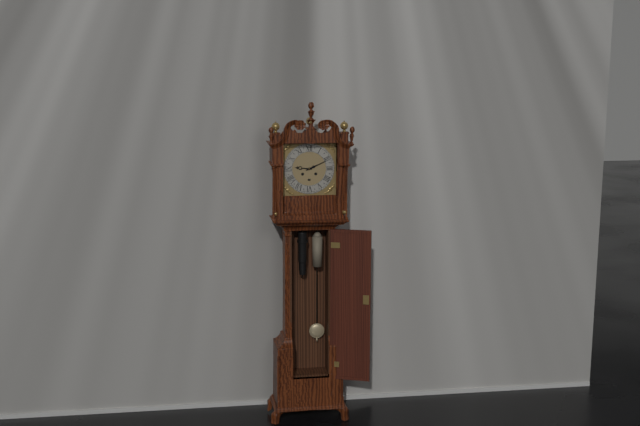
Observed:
{"hour": 9, "minute": 11}
